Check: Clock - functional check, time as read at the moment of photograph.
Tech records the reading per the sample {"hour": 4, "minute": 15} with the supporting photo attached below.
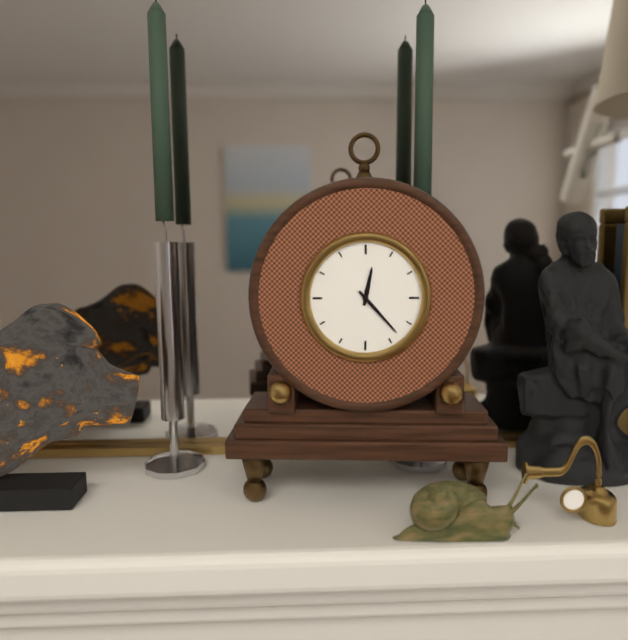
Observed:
{"hour": 12, "minute": 23}
